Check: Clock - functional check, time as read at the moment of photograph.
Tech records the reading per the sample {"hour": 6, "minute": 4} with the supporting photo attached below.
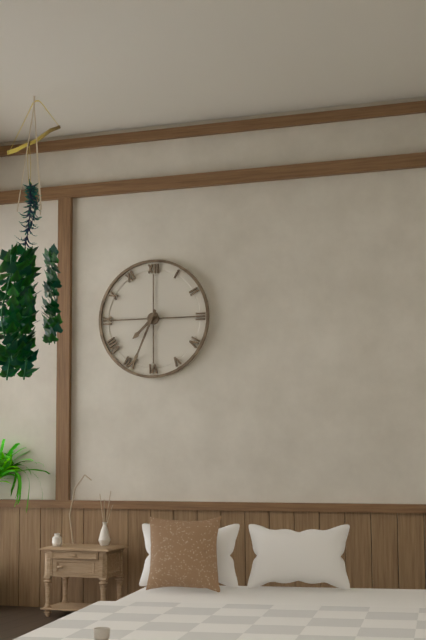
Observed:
{"hour": 7, "minute": 34}
